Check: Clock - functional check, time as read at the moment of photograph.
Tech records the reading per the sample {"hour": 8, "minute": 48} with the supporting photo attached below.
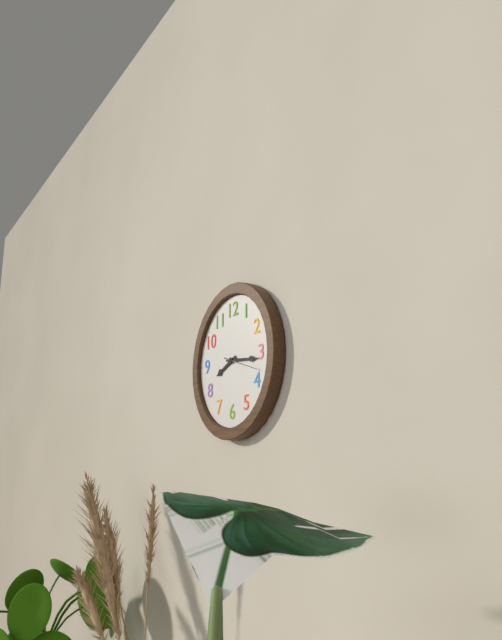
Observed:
{"hour": 8, "minute": 16}
